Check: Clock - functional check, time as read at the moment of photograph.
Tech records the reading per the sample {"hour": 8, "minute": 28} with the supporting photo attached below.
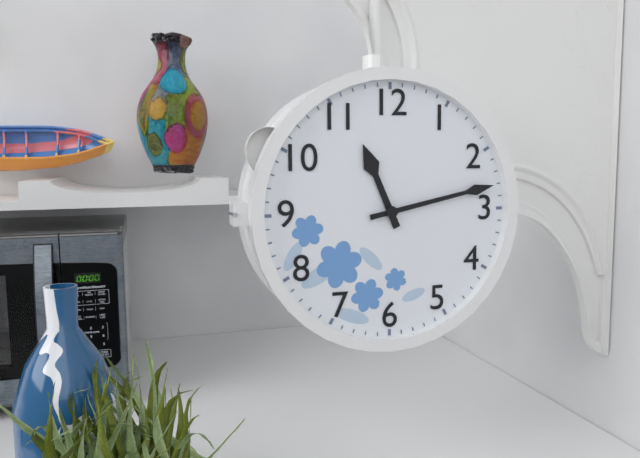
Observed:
{"hour": 11, "minute": 13}
